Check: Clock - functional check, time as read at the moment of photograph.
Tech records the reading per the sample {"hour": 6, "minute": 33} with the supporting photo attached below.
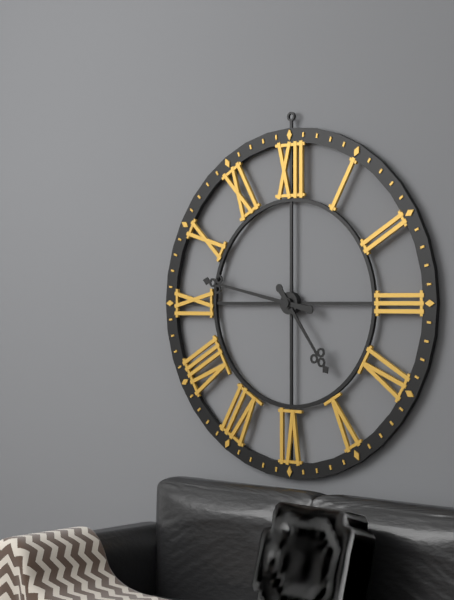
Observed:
{"hour": 4, "minute": 47}
